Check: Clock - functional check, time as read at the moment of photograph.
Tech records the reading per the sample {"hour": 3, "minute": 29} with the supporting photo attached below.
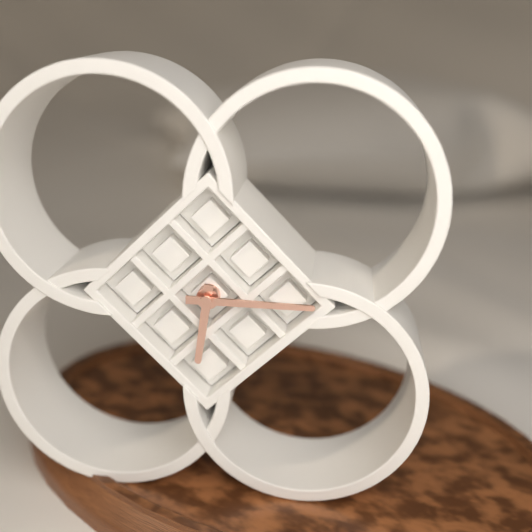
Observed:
{"hour": 6, "minute": 15}
